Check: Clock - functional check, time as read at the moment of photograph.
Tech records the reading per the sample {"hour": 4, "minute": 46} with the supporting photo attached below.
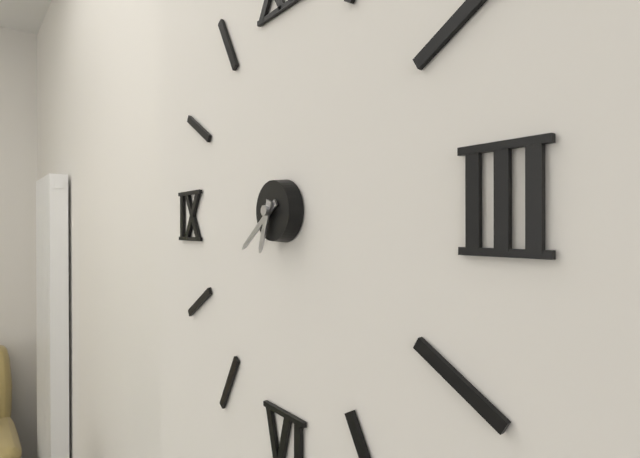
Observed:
{"hour": 6, "minute": 39}
